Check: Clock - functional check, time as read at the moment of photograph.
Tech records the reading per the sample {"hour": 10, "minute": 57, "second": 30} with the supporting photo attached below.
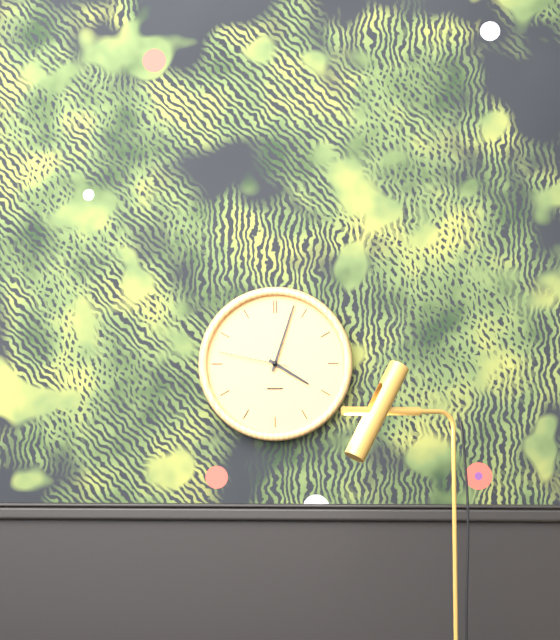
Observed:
{"hour": 4, "minute": 3, "second": 47}
